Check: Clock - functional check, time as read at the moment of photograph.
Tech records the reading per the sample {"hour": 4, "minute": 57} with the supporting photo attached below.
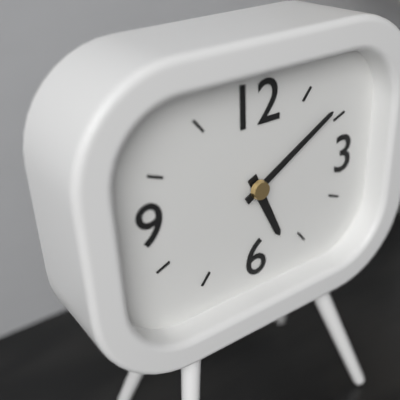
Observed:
{"hour": 5, "minute": 10}
